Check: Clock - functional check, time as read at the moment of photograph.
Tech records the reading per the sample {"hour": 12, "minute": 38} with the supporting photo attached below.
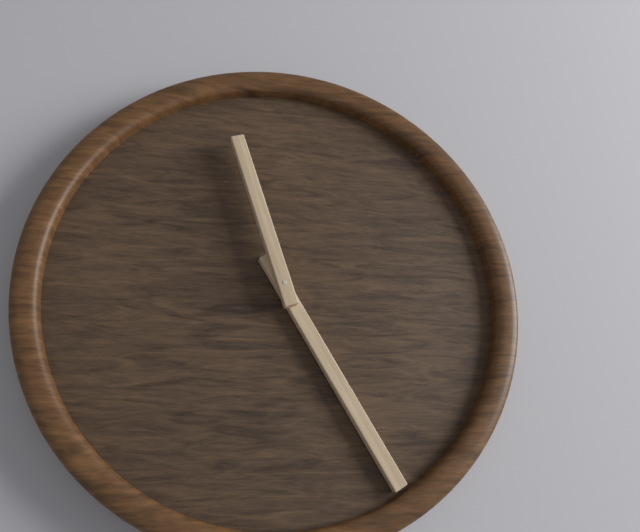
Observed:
{"hour": 11, "minute": 25}
